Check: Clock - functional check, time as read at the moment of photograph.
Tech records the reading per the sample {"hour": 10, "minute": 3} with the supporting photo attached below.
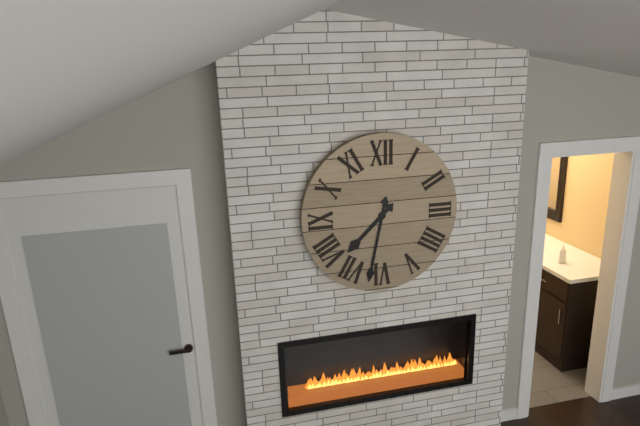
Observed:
{"hour": 7, "minute": 32}
